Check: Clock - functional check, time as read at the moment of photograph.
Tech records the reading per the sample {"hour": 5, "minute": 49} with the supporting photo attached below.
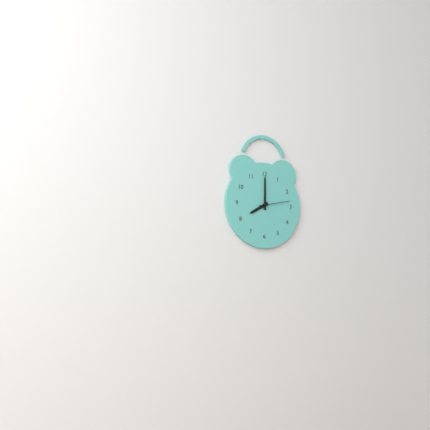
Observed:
{"hour": 8, "minute": 0}
